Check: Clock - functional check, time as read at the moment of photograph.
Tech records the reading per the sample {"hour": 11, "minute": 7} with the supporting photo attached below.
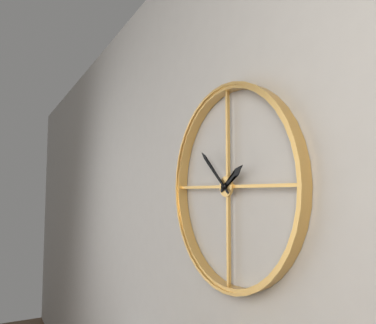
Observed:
{"hour": 1, "minute": 52}
